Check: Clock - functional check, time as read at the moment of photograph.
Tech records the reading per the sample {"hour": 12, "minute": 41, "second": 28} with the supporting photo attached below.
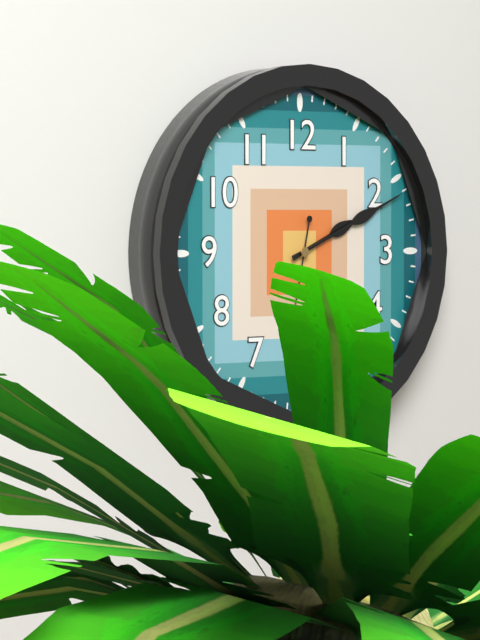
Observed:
{"hour": 2, "minute": 11, "second": 32}
